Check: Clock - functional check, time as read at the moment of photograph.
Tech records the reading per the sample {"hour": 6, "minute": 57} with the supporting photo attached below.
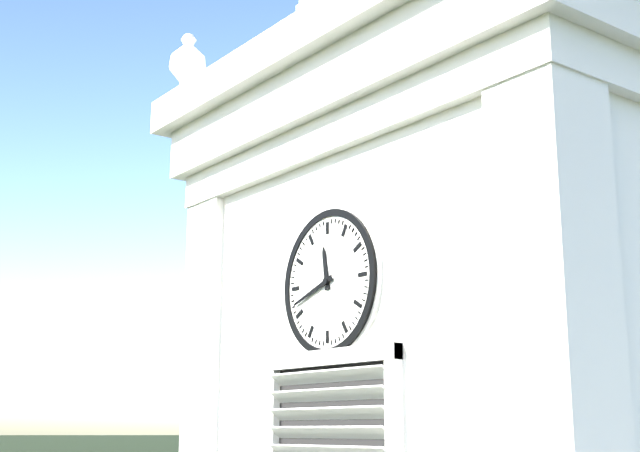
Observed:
{"hour": 11, "minute": 42}
